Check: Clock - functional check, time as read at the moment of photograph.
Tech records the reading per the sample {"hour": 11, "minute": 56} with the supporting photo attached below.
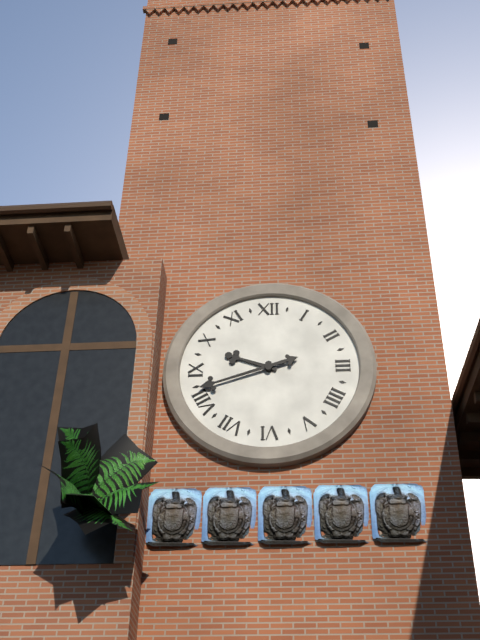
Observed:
{"hour": 9, "minute": 42}
